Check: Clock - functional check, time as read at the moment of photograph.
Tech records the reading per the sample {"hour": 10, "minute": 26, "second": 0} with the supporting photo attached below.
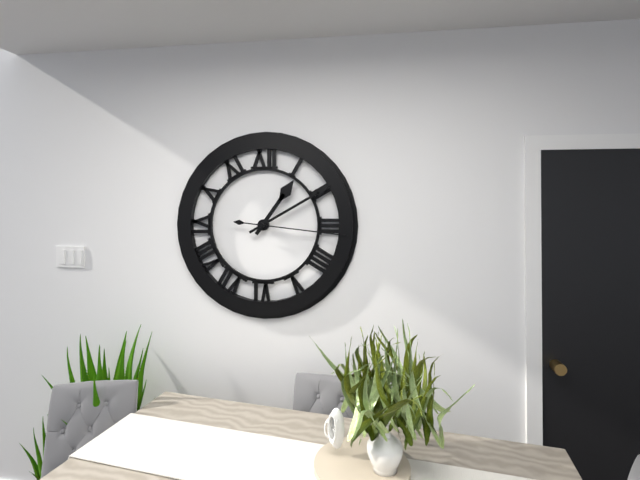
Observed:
{"hour": 1, "minute": 10, "second": 16}
